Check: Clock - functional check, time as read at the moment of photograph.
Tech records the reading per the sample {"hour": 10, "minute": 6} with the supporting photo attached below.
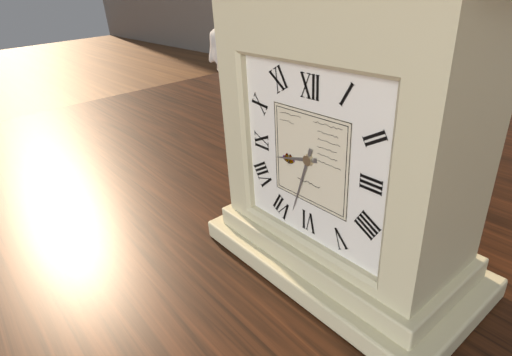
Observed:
{"hour": 8, "minute": 33}
